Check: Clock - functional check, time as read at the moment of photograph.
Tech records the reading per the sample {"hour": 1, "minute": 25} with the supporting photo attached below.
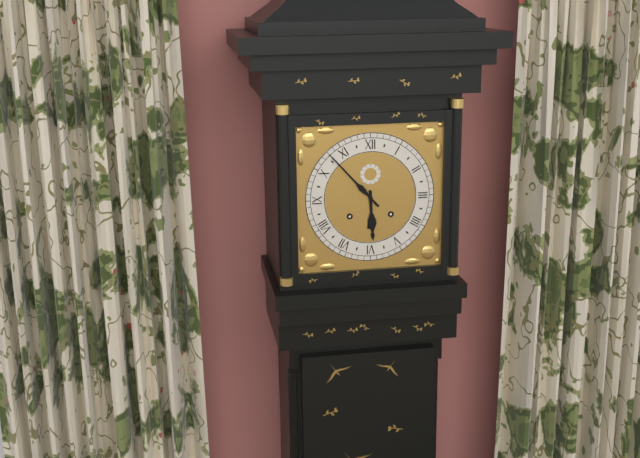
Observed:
{"hour": 5, "minute": 53}
